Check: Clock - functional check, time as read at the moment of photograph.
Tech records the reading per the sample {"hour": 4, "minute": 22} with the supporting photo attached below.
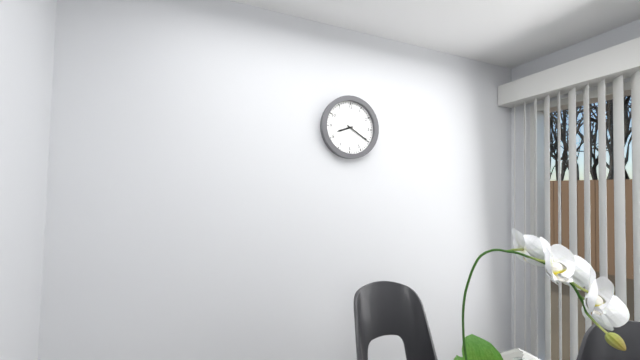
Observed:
{"hour": 8, "minute": 20}
